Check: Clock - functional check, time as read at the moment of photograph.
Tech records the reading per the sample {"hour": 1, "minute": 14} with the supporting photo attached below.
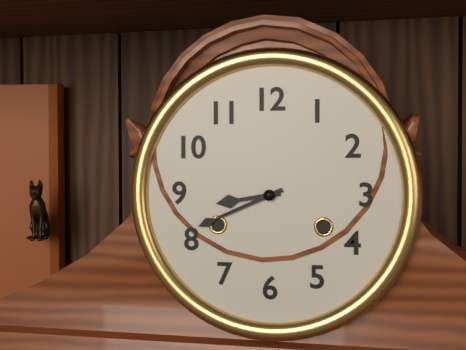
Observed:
{"hour": 8, "minute": 41}
